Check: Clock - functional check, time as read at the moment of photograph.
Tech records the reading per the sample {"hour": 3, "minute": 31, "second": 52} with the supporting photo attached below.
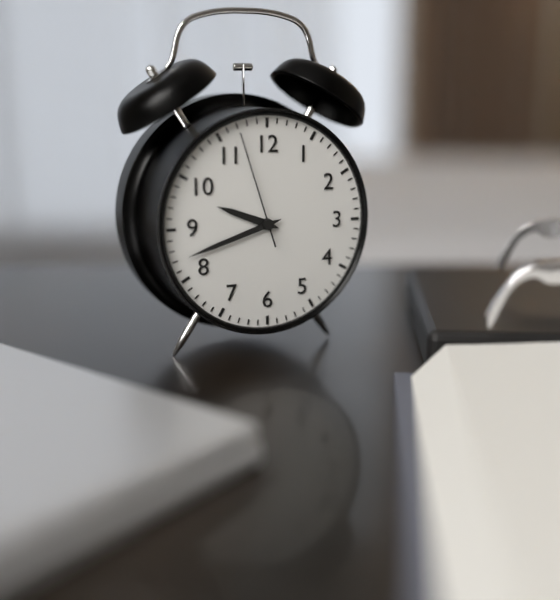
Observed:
{"hour": 9, "minute": 42, "second": 57}
